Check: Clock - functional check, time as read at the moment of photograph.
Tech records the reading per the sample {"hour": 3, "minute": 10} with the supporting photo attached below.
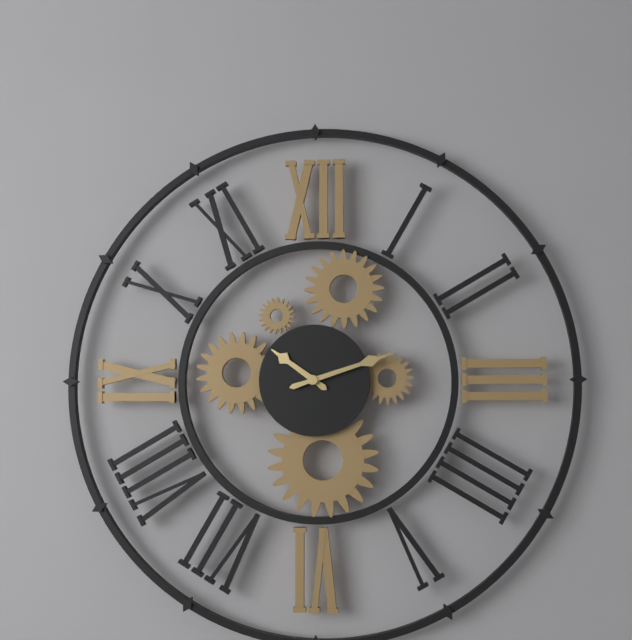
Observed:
{"hour": 10, "minute": 12}
